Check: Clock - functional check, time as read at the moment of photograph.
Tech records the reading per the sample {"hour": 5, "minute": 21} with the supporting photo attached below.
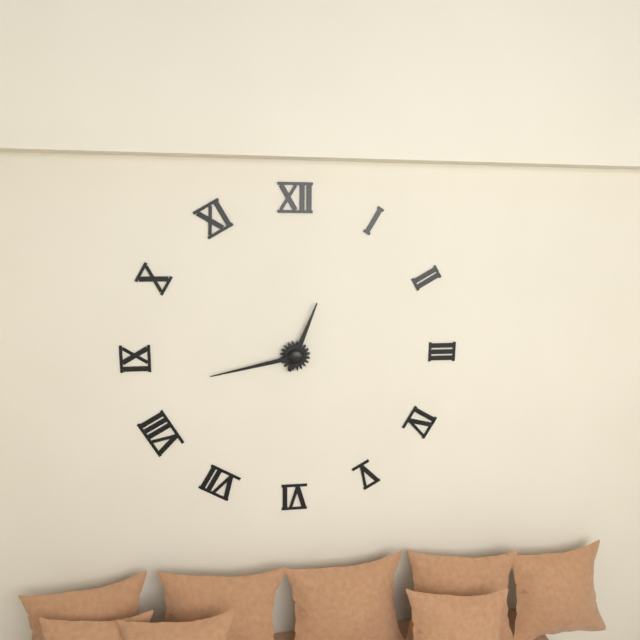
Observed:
{"hour": 12, "minute": 43}
